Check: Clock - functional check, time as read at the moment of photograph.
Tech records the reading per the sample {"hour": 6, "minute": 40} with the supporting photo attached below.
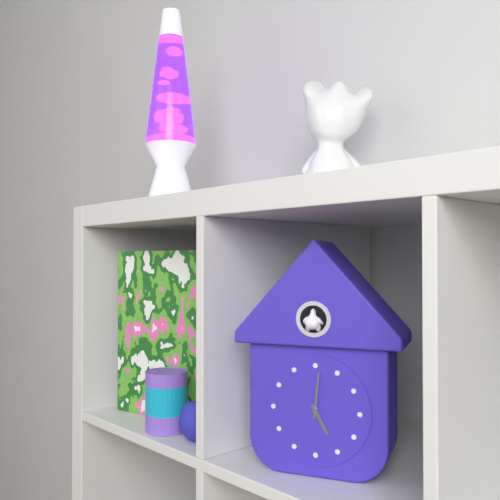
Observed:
{"hour": 5, "minute": 1}
